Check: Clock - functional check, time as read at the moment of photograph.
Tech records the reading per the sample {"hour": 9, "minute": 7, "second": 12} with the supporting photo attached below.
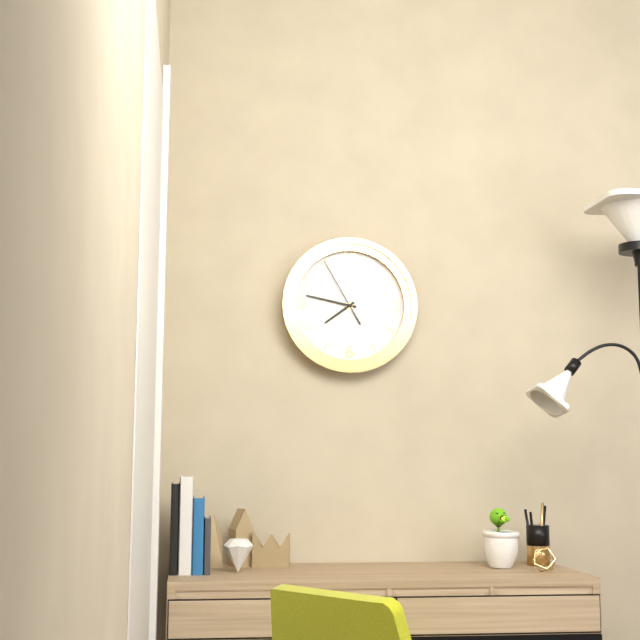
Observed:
{"hour": 7, "minute": 47, "second": 55}
